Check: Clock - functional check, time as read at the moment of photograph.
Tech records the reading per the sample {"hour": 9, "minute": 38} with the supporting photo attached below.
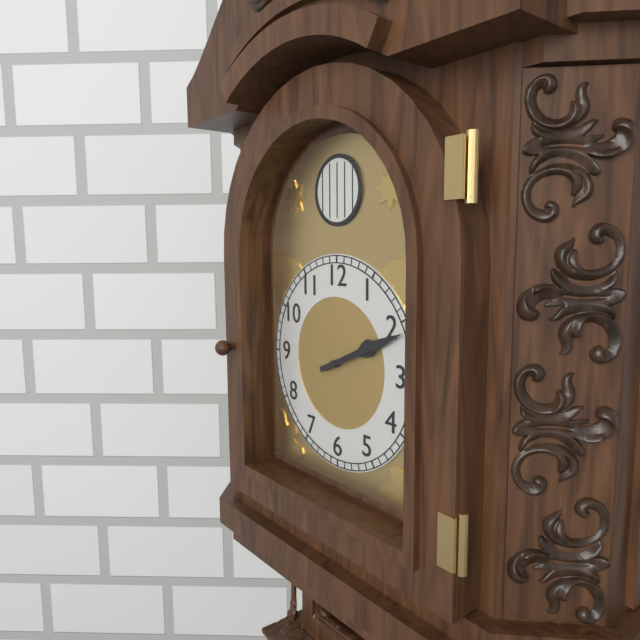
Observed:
{"hour": 2, "minute": 11}
